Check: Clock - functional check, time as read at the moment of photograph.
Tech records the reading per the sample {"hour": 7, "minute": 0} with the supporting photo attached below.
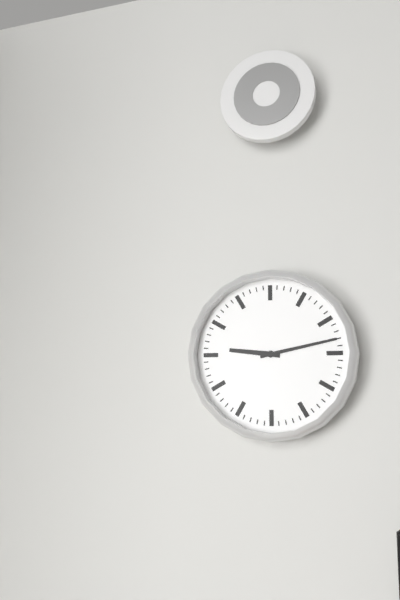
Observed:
{"hour": 9, "minute": 13}
